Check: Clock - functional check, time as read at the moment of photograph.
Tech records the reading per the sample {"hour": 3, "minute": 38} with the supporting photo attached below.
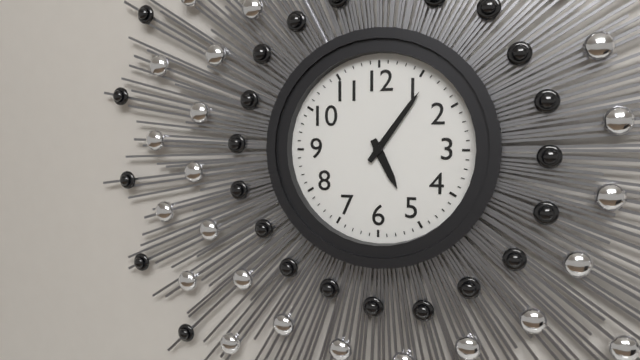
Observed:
{"hour": 5, "minute": 6}
